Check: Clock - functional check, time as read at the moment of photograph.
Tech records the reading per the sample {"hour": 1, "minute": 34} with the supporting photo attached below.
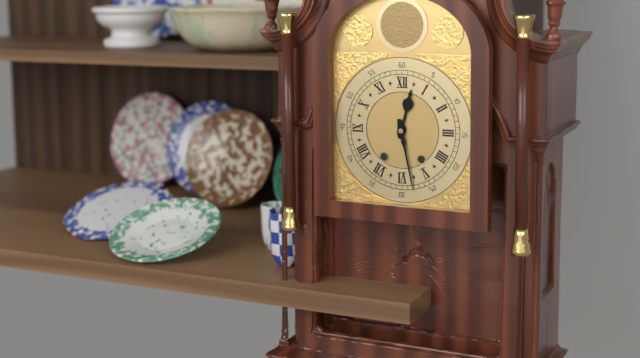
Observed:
{"hour": 12, "minute": 28}
